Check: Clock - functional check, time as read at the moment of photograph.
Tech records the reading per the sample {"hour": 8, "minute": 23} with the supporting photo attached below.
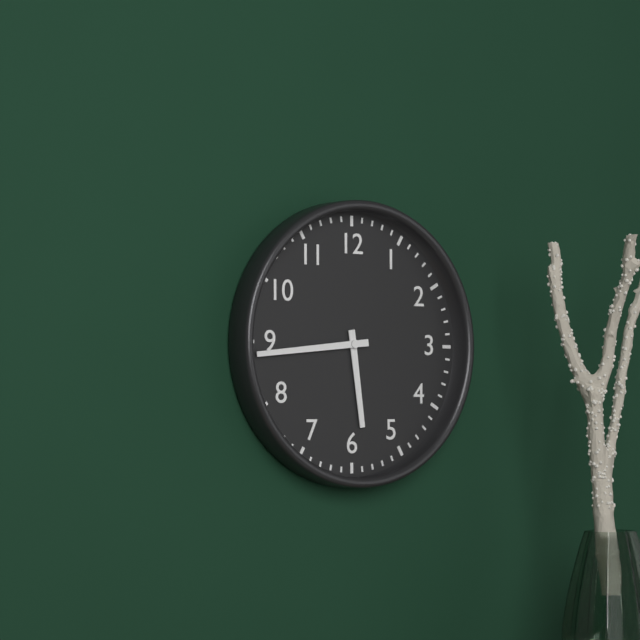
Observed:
{"hour": 5, "minute": 44}
